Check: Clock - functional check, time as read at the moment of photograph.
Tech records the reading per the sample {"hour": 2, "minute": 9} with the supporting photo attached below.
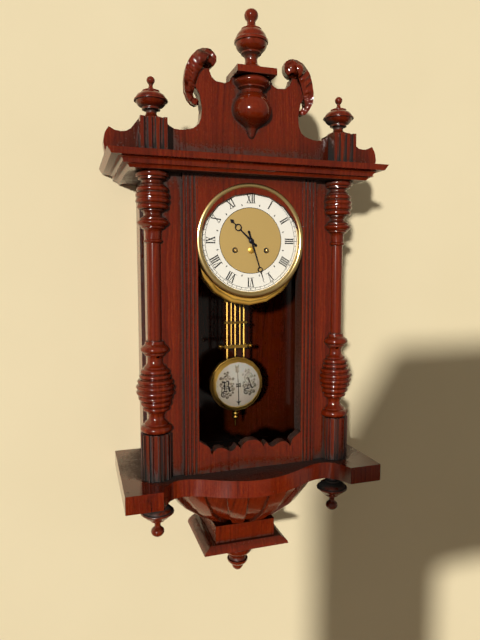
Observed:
{"hour": 10, "minute": 27}
